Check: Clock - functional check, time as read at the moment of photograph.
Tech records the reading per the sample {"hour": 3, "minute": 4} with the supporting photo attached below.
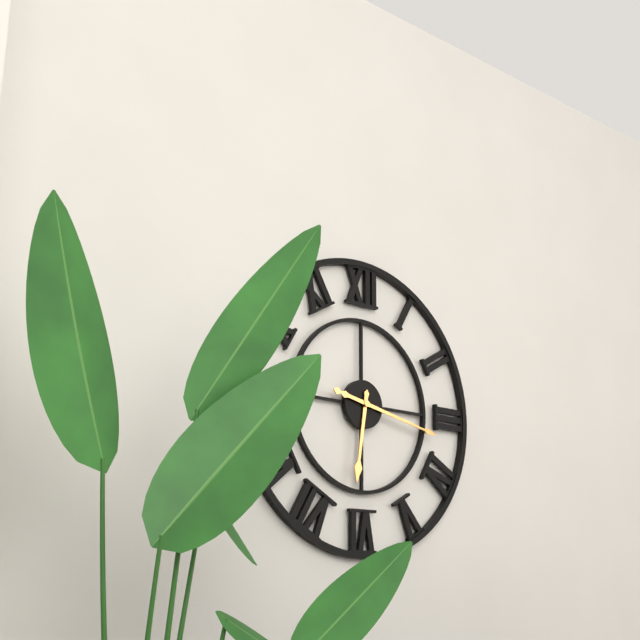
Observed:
{"hour": 6, "minute": 17}
